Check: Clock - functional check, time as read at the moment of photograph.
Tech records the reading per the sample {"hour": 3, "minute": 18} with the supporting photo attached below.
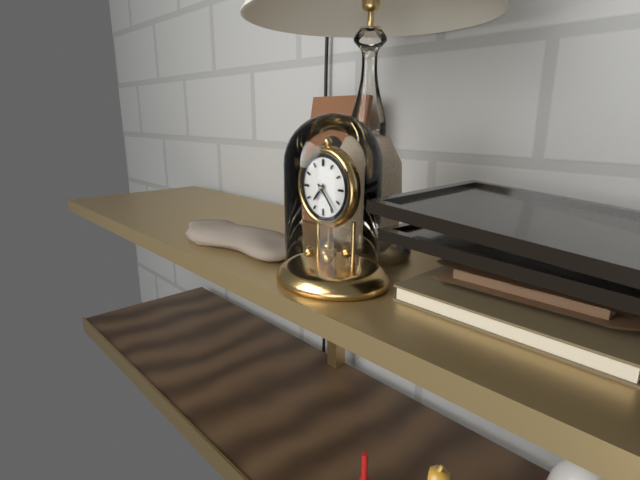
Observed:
{"hour": 7, "minute": 23}
